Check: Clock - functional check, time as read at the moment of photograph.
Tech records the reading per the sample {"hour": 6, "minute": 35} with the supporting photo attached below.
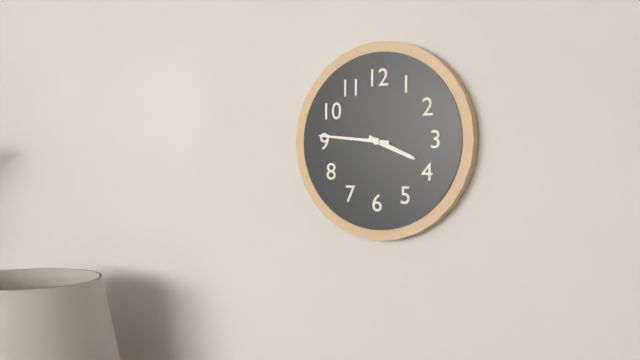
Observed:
{"hour": 3, "minute": 46}
